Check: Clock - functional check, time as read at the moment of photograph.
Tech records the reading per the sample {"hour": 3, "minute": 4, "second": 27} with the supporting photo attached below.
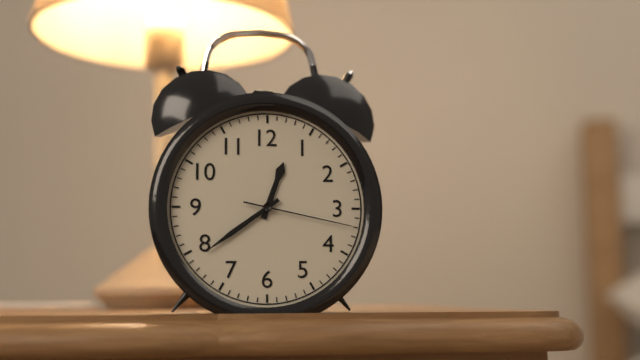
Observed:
{"hour": 12, "minute": 39, "second": 17}
